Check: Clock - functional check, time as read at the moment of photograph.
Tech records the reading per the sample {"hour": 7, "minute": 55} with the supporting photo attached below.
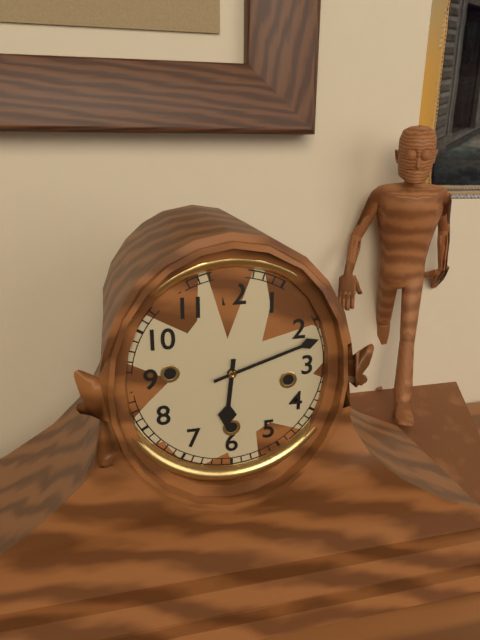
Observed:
{"hour": 6, "minute": 12}
